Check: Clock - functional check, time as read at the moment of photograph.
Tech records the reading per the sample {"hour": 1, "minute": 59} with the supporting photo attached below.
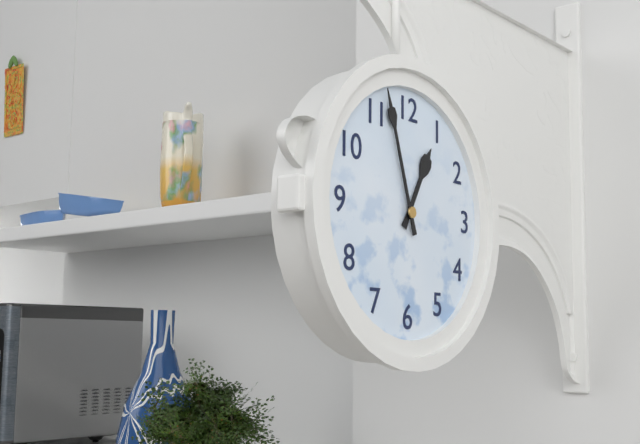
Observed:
{"hour": 12, "minute": 57}
